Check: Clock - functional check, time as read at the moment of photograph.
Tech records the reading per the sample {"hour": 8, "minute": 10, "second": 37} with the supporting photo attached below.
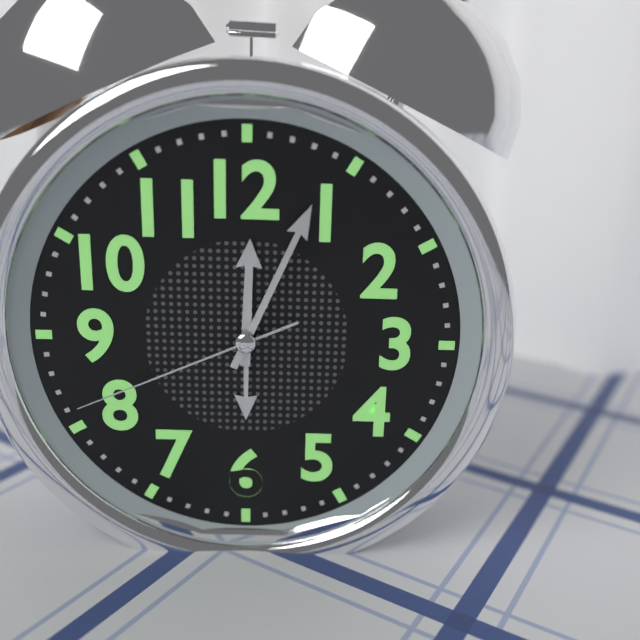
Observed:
{"hour": 12, "minute": 4, "second": 41}
